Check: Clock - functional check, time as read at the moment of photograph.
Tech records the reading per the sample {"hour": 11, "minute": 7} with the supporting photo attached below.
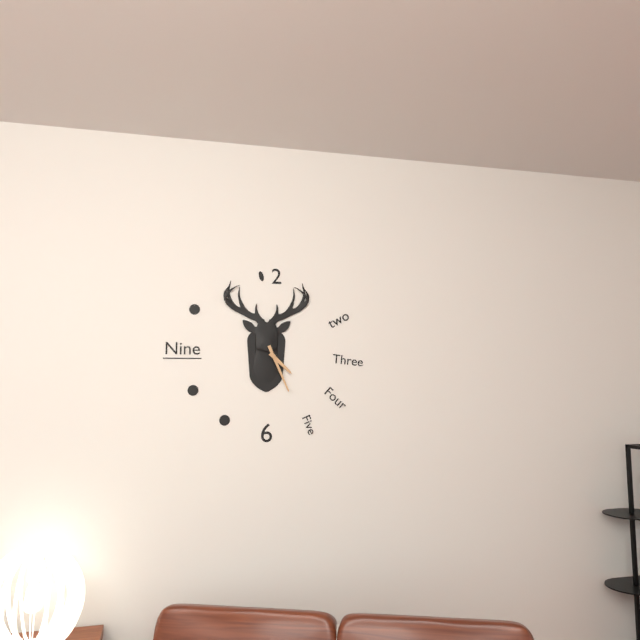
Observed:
{"hour": 4, "minute": 26}
